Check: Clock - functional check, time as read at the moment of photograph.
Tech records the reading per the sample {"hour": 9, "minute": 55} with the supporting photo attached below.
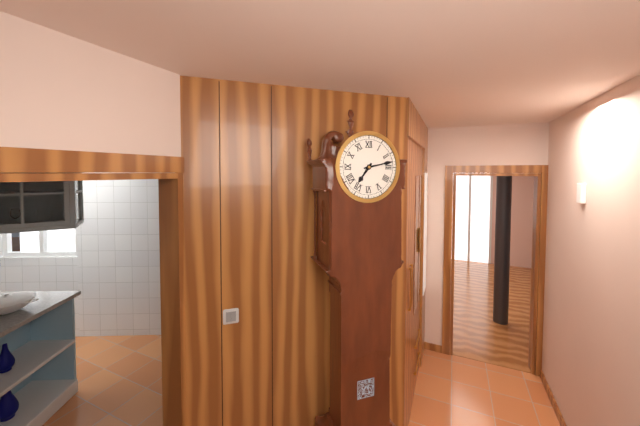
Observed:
{"hour": 7, "minute": 13}
